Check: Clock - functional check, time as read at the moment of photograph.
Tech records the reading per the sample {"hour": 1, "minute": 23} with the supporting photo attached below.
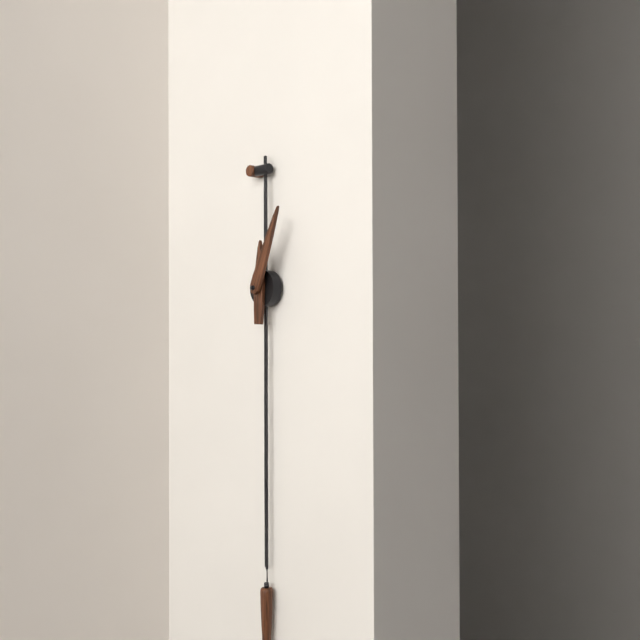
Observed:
{"hour": 12, "minute": 4}
